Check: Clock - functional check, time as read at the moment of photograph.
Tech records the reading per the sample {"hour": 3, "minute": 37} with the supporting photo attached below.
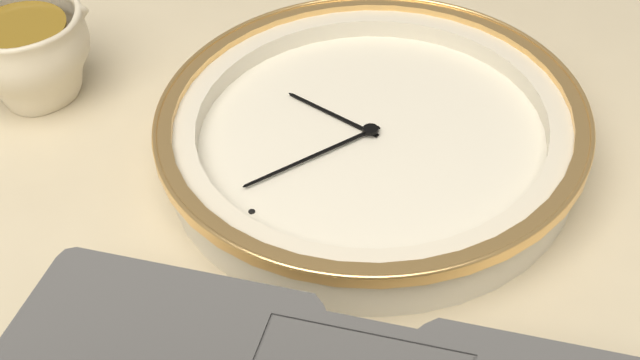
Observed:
{"hour": 1, "minute": 58}
